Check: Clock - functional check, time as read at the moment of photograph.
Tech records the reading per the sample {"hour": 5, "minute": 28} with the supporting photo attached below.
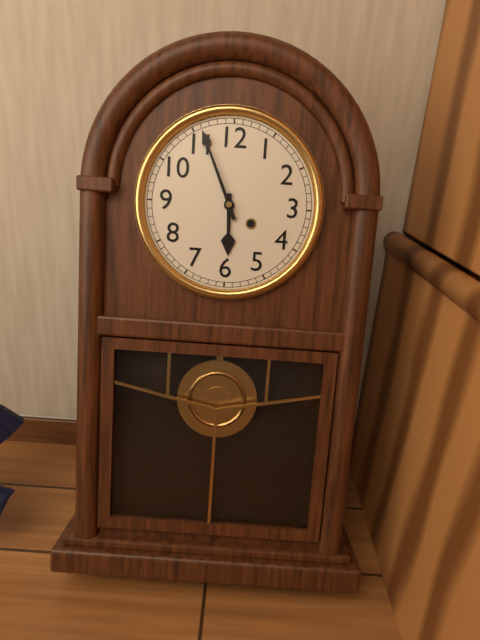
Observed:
{"hour": 5, "minute": 56}
